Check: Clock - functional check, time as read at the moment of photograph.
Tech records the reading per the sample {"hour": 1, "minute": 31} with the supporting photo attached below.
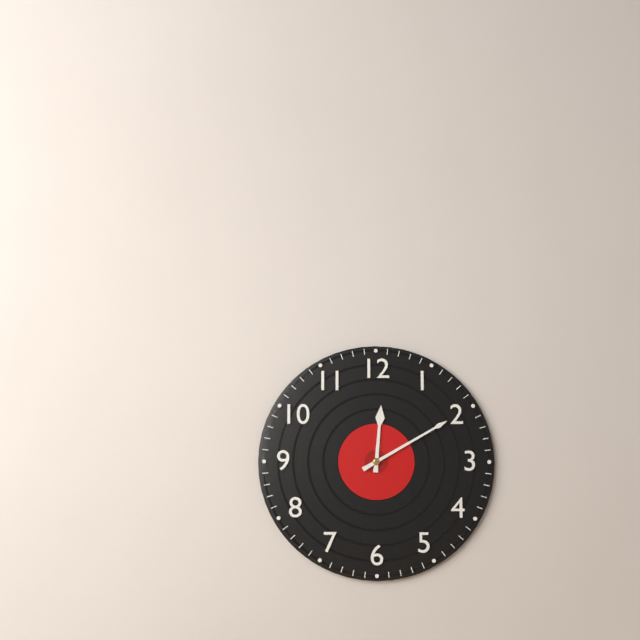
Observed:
{"hour": 12, "minute": 10}
